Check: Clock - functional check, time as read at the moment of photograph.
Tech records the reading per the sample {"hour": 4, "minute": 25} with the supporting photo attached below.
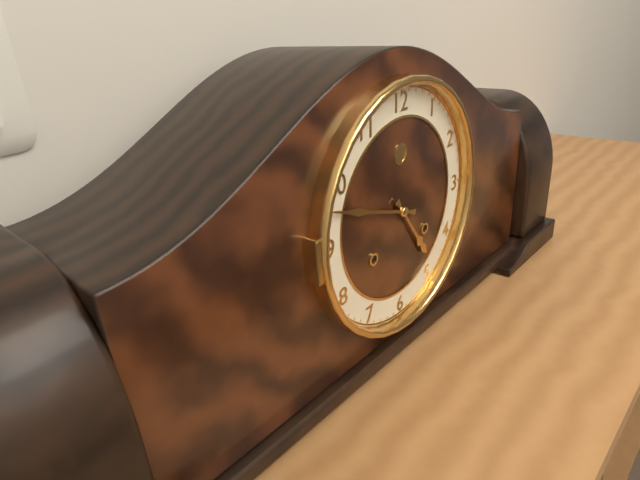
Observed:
{"hour": 4, "minute": 48}
